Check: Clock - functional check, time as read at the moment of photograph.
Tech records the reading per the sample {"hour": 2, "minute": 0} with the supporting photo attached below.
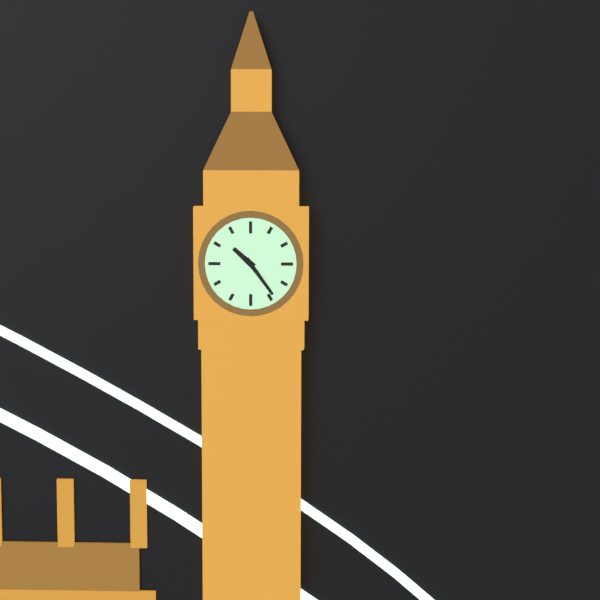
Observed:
{"hour": 10, "minute": 24}
